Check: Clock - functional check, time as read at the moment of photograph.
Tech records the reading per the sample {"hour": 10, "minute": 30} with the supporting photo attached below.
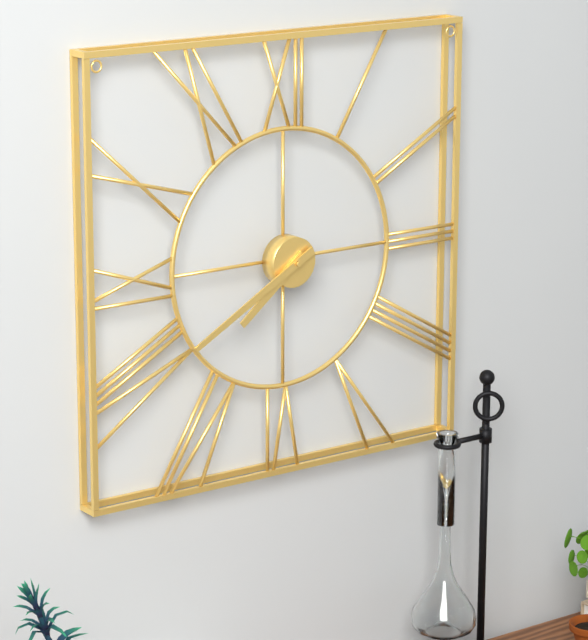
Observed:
{"hour": 7, "minute": 40}
